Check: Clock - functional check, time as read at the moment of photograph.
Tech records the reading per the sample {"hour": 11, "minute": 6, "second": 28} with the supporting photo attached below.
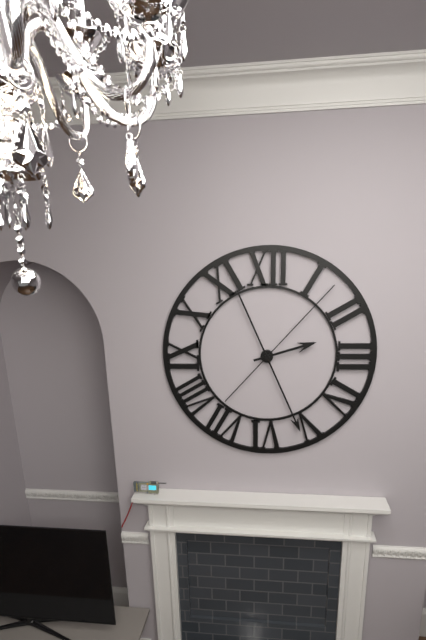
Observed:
{"hour": 2, "minute": 26, "second": 7}
